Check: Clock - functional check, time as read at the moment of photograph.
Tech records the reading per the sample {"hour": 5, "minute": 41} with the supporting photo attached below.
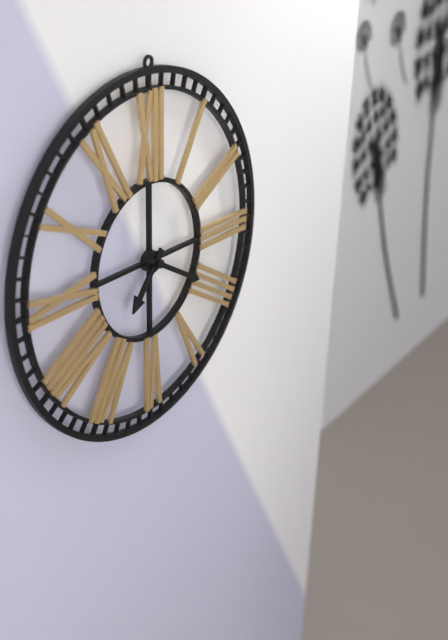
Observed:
{"hour": 7, "minute": 20}
